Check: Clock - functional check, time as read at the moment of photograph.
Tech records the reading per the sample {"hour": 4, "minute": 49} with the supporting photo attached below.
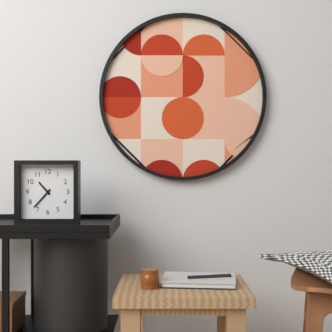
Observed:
{"hour": 10, "minute": 37}
